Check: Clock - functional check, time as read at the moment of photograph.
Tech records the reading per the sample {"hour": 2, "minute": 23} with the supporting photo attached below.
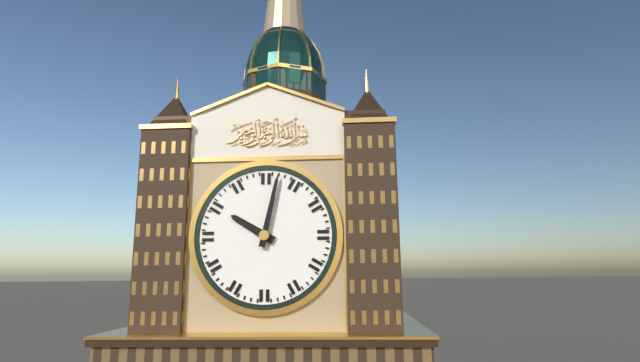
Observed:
{"hour": 10, "minute": 2}
